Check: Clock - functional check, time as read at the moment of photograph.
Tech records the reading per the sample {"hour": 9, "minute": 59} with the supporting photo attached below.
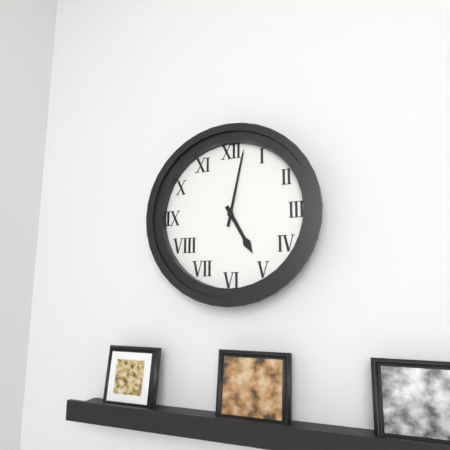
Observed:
{"hour": 5, "minute": 2}
